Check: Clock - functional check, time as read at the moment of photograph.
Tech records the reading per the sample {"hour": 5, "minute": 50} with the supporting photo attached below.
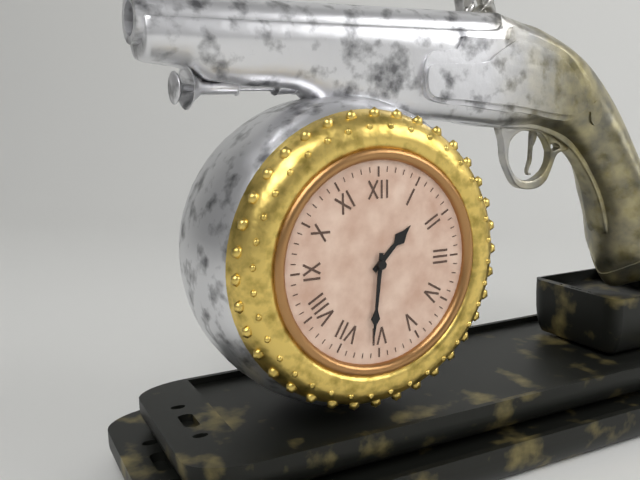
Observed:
{"hour": 1, "minute": 31}
